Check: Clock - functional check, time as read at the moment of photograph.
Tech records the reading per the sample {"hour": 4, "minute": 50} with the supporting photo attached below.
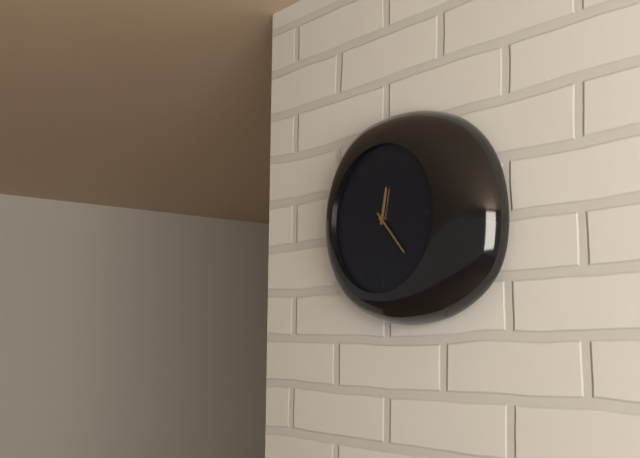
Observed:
{"hour": 12, "minute": 23}
